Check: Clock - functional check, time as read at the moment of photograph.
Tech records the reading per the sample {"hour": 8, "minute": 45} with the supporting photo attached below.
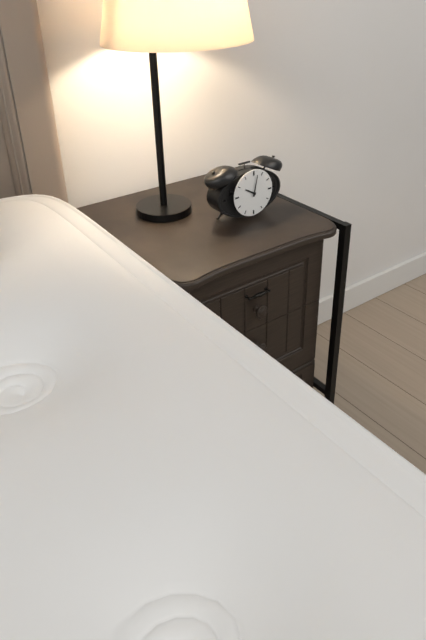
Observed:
{"hour": 10, "minute": 2}
